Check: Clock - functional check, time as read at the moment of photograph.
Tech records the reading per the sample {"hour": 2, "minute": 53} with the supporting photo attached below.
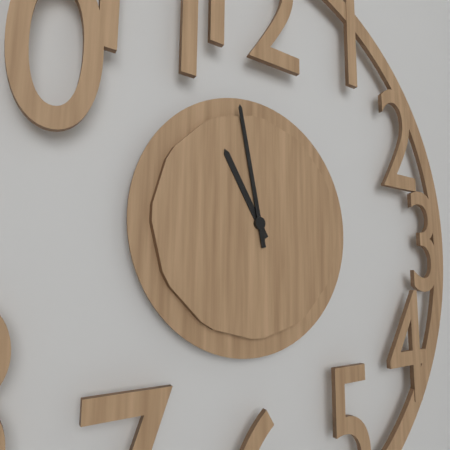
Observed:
{"hour": 10, "minute": 58}
